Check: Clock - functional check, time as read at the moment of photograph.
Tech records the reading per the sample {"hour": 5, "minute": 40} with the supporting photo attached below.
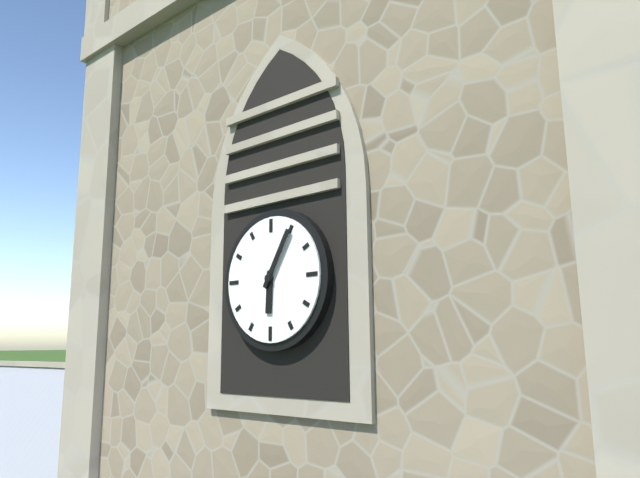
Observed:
{"hour": 6, "minute": 5}
